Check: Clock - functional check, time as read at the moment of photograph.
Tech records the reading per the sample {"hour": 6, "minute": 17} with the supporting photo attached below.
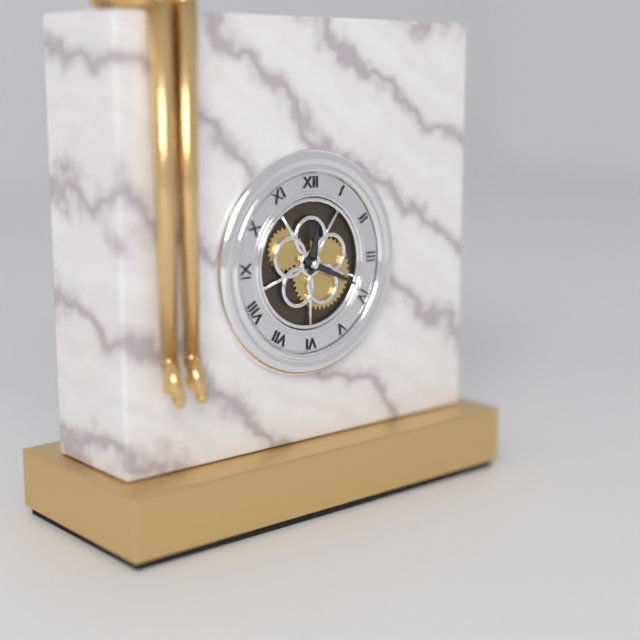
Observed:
{"hour": 12, "minute": 19}
